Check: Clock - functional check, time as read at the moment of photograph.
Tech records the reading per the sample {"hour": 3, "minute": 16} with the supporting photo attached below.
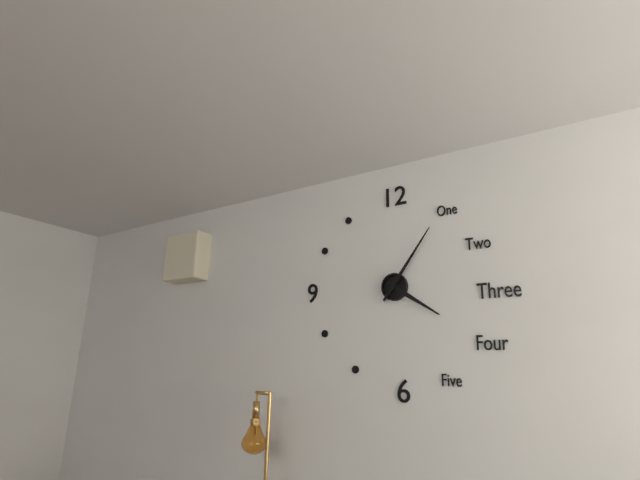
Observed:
{"hour": 4, "minute": 6}
